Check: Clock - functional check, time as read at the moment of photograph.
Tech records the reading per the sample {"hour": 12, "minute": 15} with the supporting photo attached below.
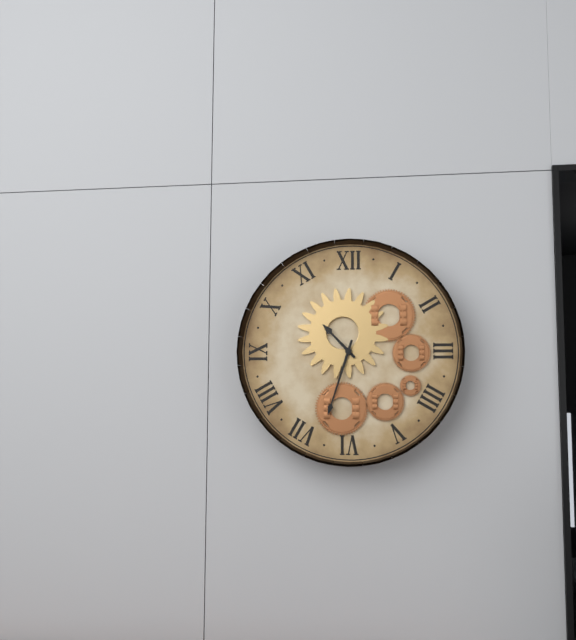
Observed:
{"hour": 10, "minute": 33}
